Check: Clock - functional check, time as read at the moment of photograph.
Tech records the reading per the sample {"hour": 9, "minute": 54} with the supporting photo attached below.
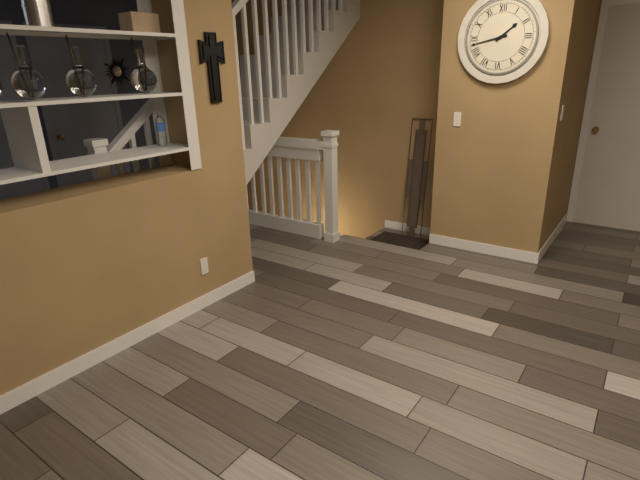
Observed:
{"hour": 1, "minute": 43}
